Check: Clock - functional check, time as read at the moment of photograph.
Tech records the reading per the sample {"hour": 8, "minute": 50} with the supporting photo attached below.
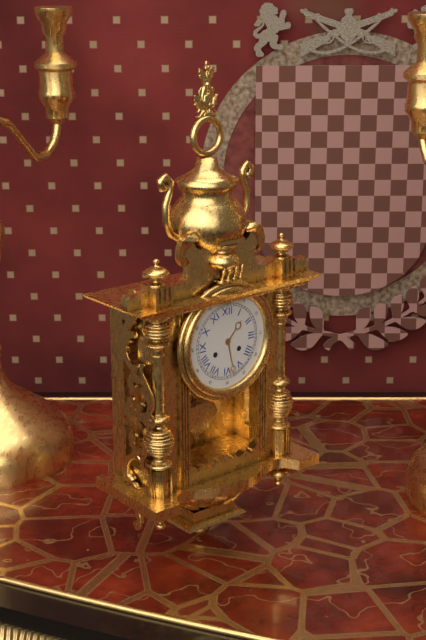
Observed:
{"hour": 1, "minute": 28}
